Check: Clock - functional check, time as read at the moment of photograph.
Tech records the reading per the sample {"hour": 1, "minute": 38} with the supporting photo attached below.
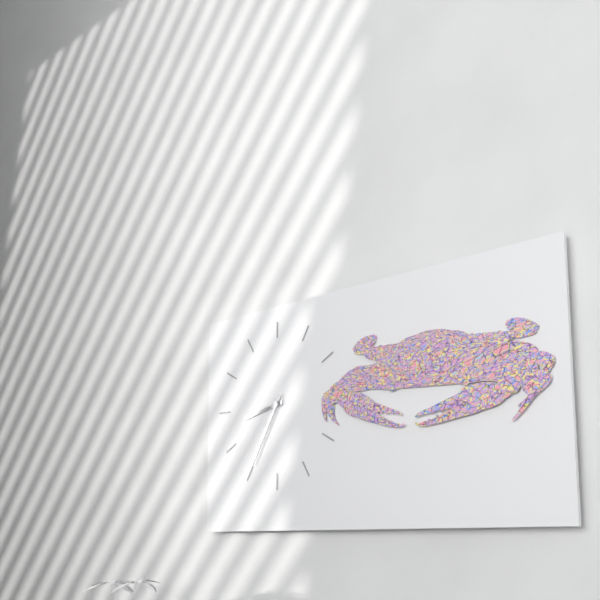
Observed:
{"hour": 8, "minute": 35}
